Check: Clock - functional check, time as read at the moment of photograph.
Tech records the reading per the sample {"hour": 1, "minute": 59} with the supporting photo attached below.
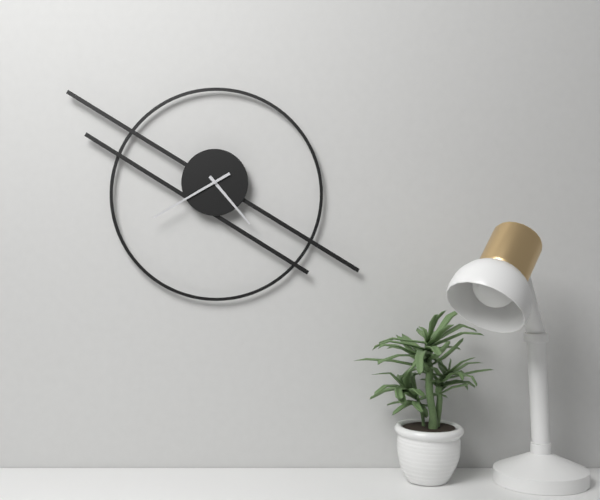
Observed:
{"hour": 4, "minute": 40}
